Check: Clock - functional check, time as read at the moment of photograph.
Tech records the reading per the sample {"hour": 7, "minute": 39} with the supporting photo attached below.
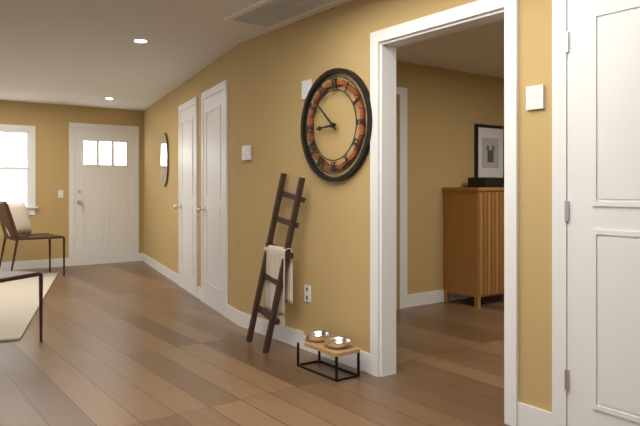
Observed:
{"hour": 8, "minute": 52}
